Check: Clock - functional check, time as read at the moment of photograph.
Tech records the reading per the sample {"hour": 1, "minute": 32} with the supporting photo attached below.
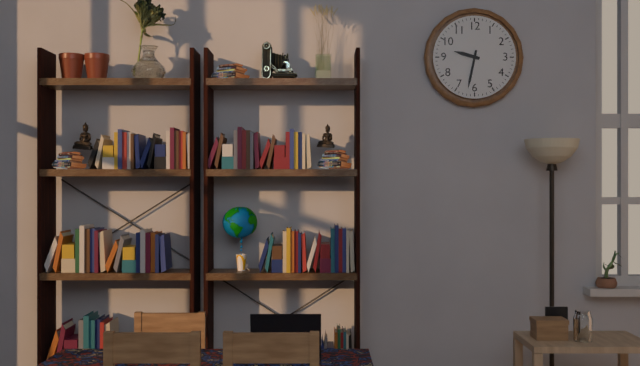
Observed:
{"hour": 9, "minute": 32}
